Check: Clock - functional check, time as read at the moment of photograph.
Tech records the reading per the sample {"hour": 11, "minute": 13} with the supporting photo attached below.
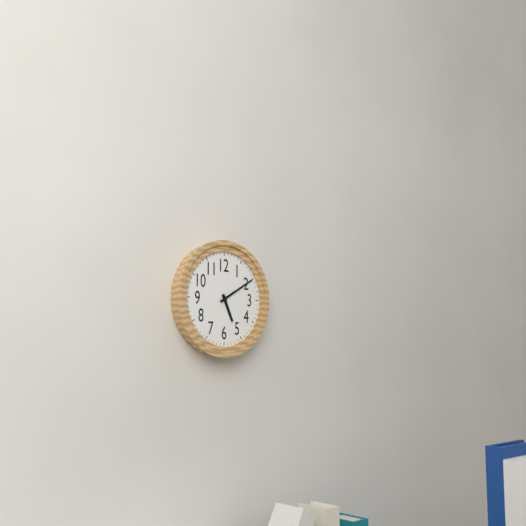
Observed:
{"hour": 5, "minute": 10}
